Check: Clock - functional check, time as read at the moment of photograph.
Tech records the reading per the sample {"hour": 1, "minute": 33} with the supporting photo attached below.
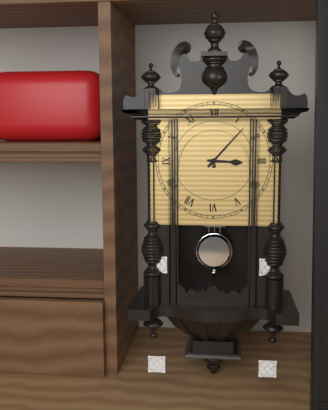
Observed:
{"hour": 3, "minute": 7}
